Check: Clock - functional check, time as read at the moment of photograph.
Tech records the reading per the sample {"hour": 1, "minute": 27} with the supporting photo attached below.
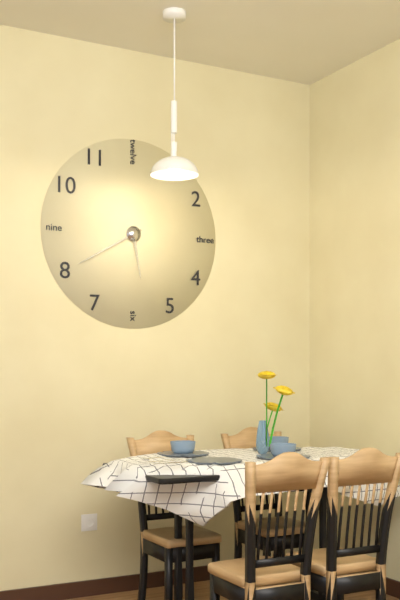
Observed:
{"hour": 5, "minute": 40}
